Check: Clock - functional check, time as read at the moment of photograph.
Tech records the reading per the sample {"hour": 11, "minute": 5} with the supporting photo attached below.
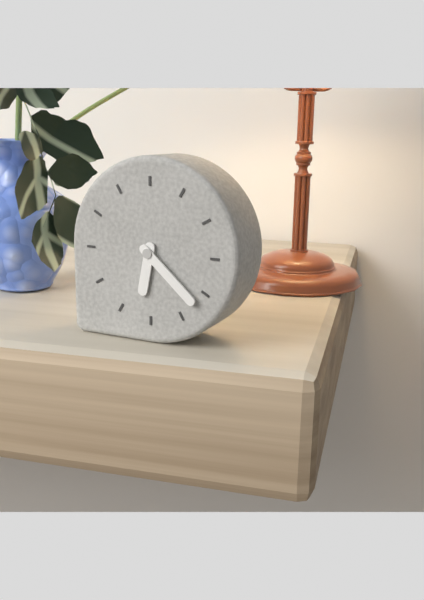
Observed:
{"hour": 6, "minute": 22}
